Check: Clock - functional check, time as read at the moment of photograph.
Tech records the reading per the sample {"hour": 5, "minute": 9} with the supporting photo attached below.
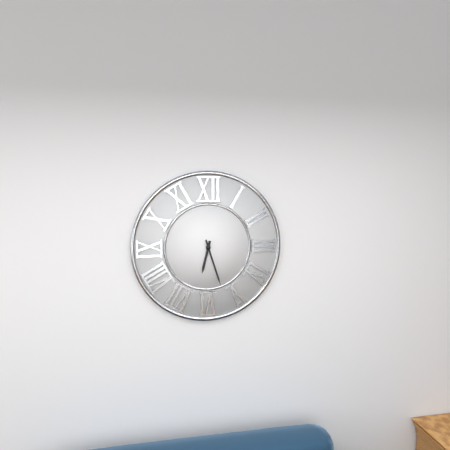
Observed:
{"hour": 6, "minute": 27}
